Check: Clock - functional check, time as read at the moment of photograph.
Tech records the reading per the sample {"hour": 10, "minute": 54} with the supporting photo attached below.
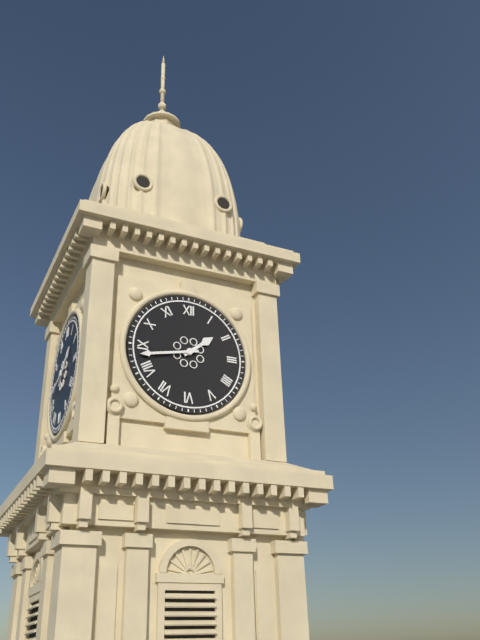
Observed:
{"hour": 1, "minute": 43}
